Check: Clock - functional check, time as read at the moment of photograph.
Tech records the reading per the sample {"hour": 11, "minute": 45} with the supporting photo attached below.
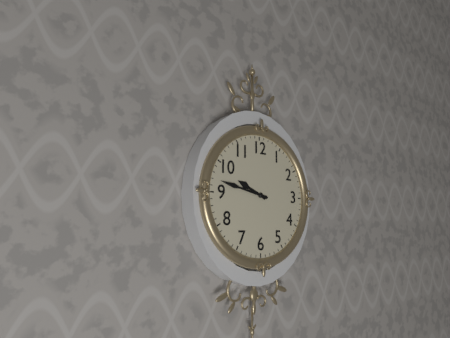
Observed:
{"hour": 9, "minute": 47}
